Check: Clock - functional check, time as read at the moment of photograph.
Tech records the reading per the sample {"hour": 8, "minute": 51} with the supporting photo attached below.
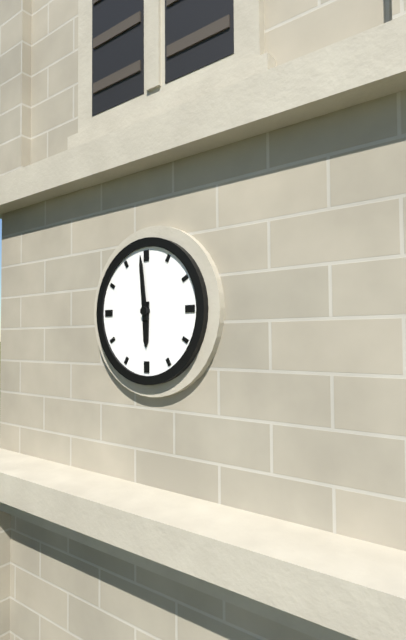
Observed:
{"hour": 5, "minute": 59}
